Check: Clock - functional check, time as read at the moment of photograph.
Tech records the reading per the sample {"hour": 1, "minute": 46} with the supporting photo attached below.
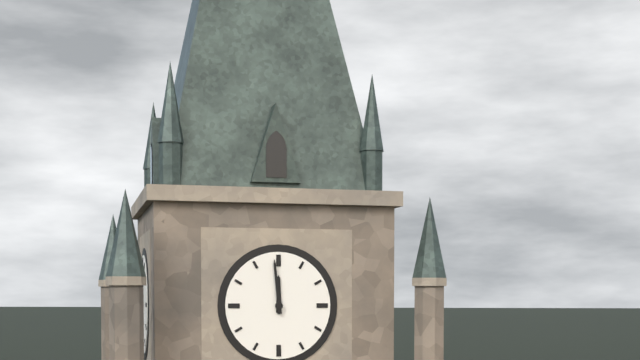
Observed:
{"hour": 11, "minute": 59}
